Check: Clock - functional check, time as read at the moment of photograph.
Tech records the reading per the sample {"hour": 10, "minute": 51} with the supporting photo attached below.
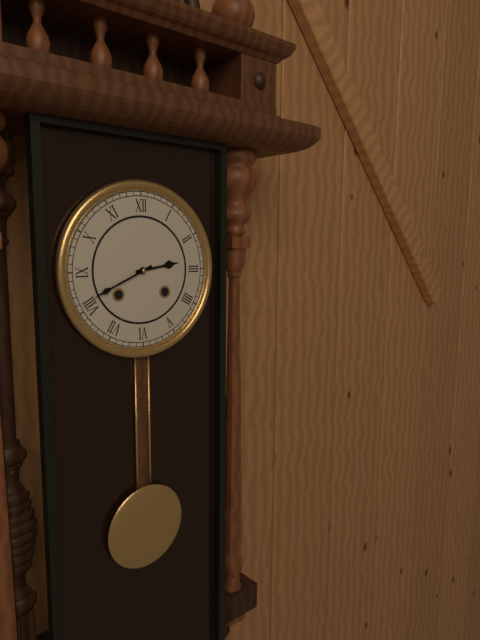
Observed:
{"hour": 2, "minute": 41}
